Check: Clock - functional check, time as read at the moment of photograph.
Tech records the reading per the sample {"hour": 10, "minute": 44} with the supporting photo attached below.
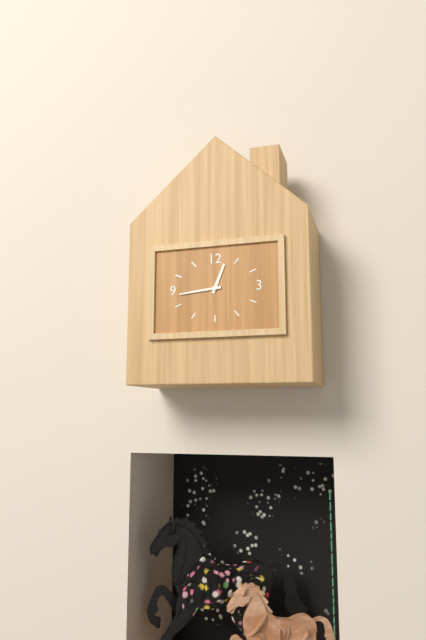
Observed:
{"hour": 12, "minute": 44}
